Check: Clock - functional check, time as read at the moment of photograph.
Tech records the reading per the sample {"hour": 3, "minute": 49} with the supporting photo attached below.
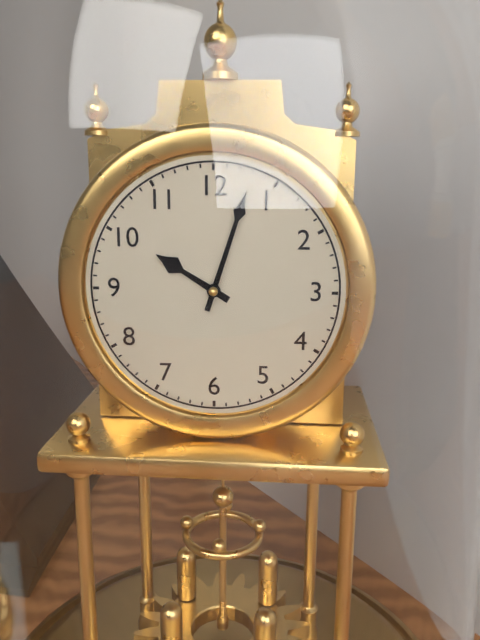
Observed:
{"hour": 10, "minute": 3}
